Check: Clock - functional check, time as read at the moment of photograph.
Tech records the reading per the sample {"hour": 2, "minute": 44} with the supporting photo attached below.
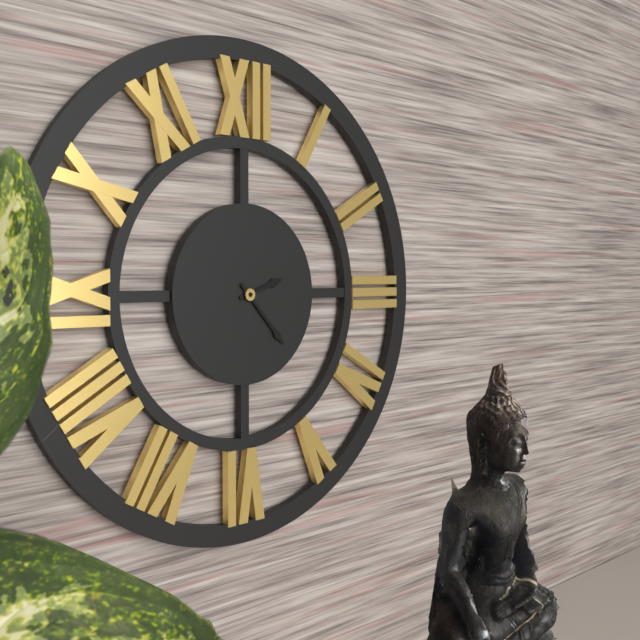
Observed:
{"hour": 2, "minute": 23}
